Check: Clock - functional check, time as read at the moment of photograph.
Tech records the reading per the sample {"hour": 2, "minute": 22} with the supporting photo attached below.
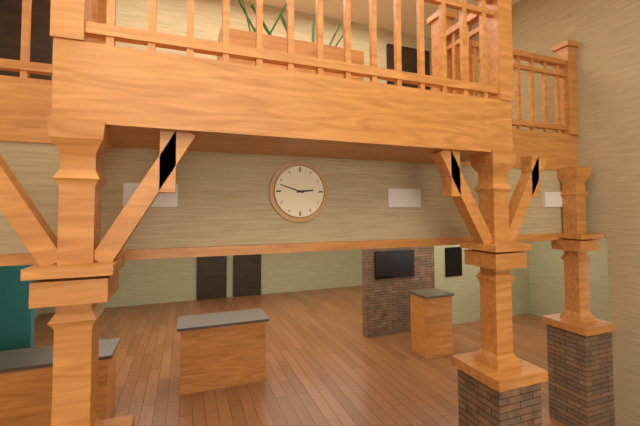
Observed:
{"hour": 2, "minute": 48}
